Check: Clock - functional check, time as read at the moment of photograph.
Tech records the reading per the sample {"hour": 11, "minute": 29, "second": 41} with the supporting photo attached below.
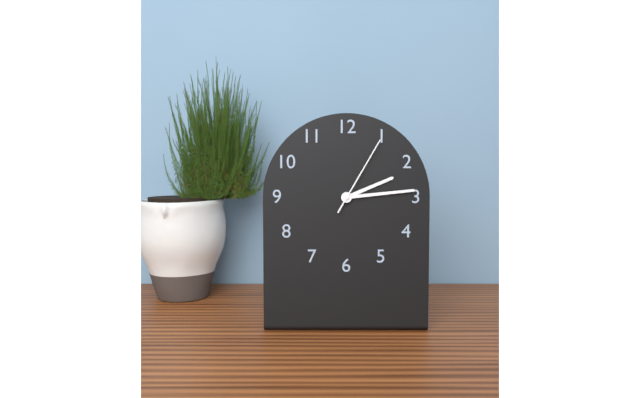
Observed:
{"hour": 2, "minute": 14, "second": 5}
